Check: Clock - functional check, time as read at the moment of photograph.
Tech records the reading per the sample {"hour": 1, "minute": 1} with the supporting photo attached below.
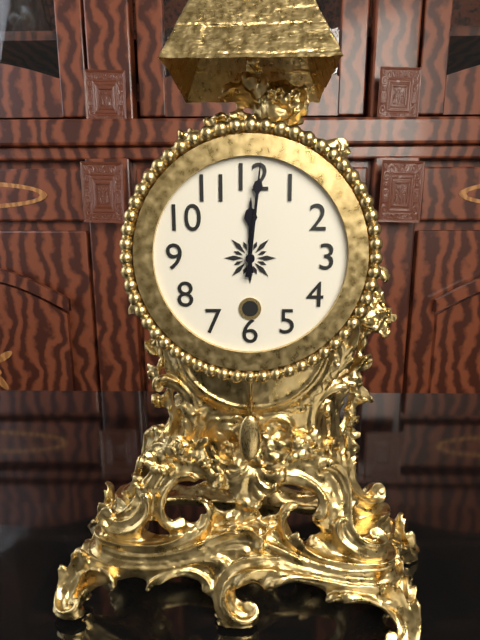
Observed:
{"hour": 12, "minute": 1}
